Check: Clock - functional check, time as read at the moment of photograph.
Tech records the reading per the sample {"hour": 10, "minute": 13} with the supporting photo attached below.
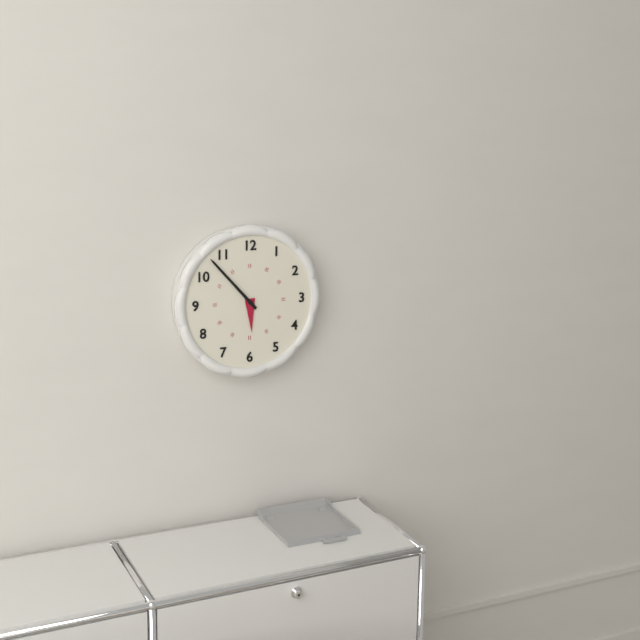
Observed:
{"hour": 5, "minute": 53}
